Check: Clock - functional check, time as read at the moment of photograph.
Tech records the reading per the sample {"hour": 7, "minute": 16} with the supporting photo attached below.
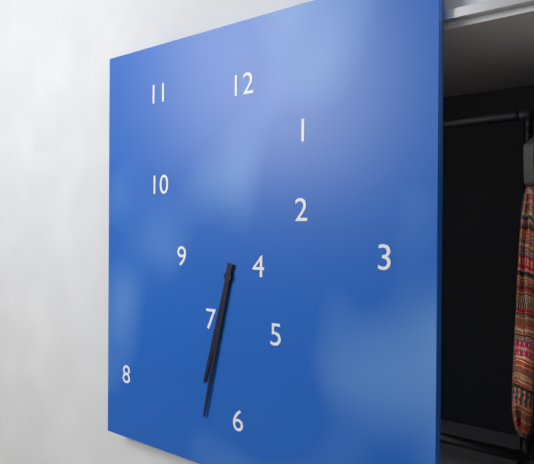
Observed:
{"hour": 6, "minute": 32}
